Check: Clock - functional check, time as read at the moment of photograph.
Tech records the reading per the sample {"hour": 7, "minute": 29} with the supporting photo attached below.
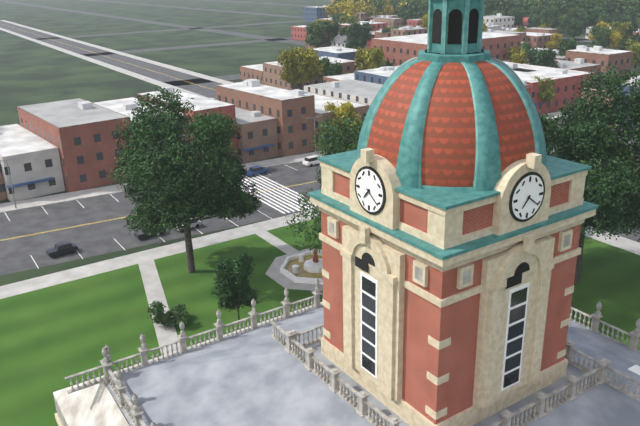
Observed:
{"hour": 7, "minute": 21}
